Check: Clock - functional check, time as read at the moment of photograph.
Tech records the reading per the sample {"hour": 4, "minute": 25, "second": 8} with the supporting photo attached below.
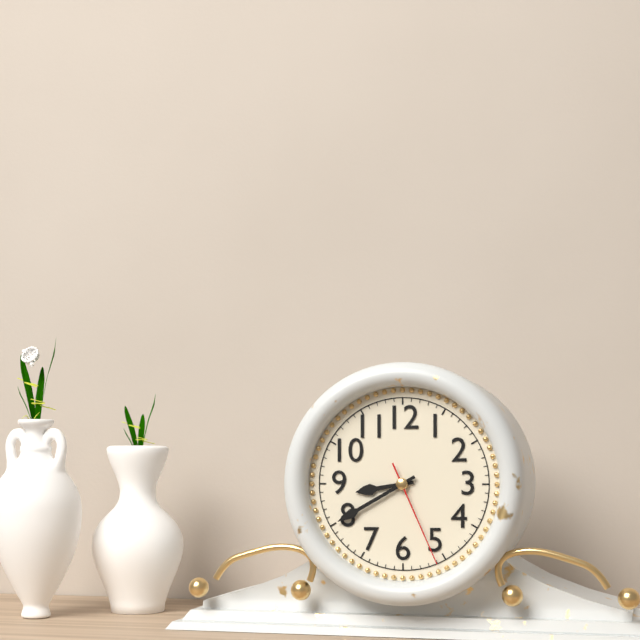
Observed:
{"hour": 8, "minute": 40, "second": 26}
